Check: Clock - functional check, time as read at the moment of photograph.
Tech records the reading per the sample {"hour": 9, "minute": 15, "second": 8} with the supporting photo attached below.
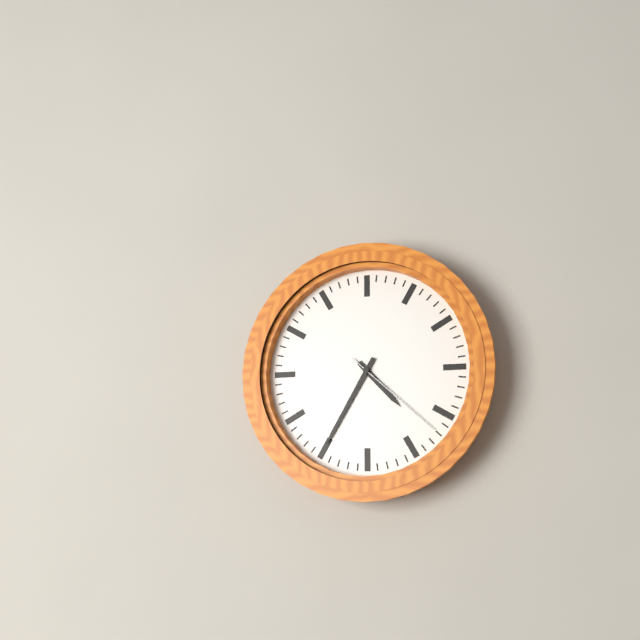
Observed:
{"hour": 4, "minute": 35, "second": 22}
